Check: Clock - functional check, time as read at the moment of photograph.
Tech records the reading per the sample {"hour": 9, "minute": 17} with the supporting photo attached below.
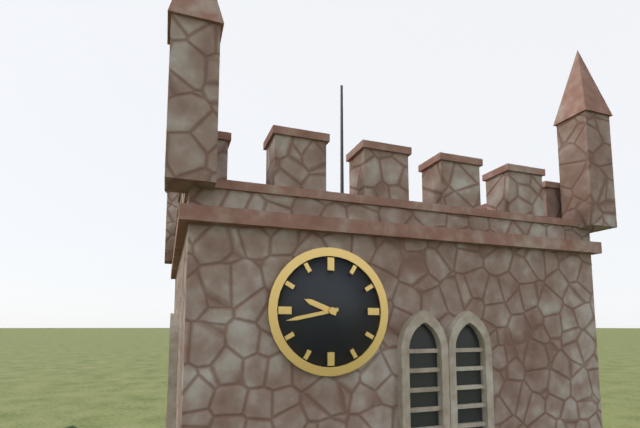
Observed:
{"hour": 9, "minute": 43}
